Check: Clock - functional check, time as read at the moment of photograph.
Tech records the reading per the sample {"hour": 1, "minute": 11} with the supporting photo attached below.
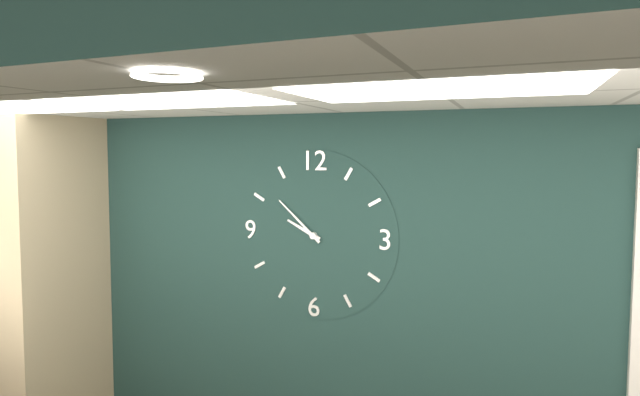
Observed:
{"hour": 9, "minute": 52}
